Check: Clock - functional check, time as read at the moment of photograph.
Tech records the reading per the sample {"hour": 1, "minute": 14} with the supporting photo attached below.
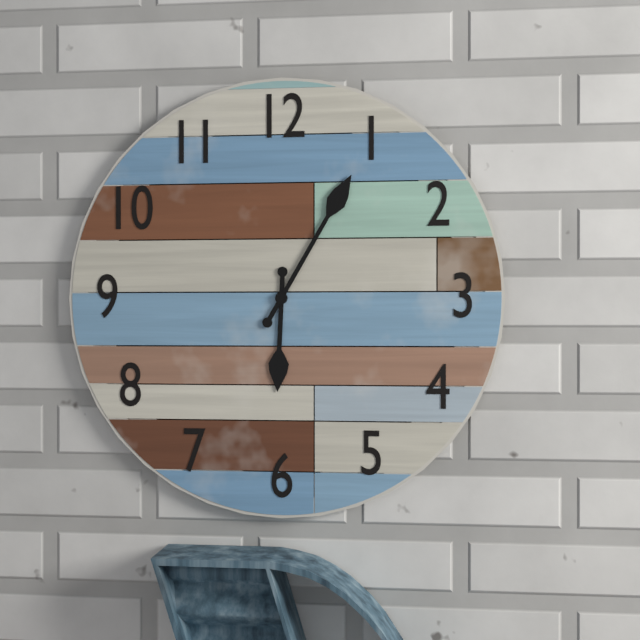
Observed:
{"hour": 6, "minute": 5}
